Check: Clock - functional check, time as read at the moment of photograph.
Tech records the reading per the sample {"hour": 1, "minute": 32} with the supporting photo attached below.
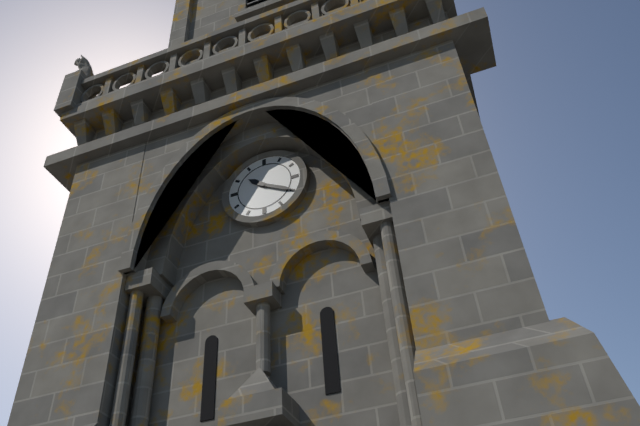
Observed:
{"hour": 10, "minute": 20}
